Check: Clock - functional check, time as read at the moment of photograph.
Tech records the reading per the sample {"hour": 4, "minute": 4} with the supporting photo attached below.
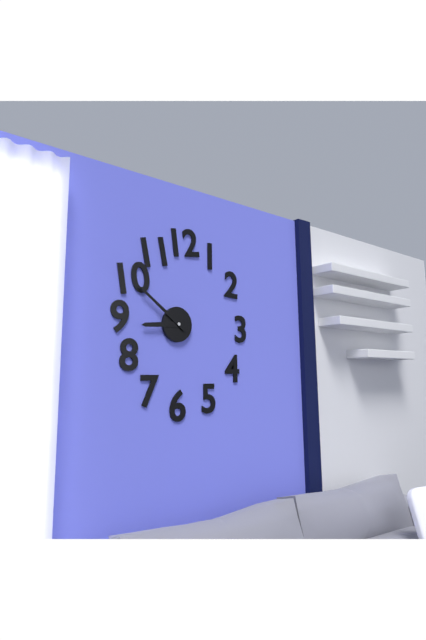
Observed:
{"hour": 8, "minute": 51}
